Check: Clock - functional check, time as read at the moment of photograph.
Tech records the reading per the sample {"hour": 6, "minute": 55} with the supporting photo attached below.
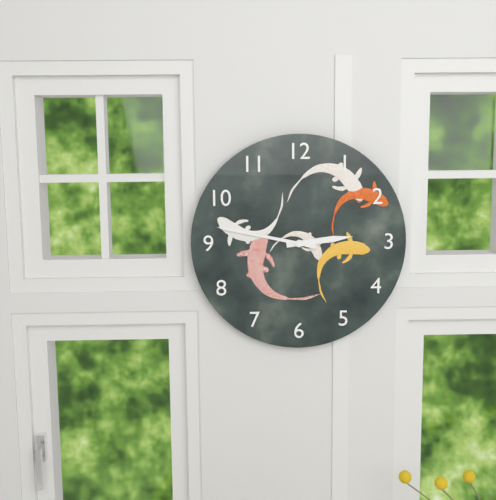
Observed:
{"hour": 2, "minute": 47}
